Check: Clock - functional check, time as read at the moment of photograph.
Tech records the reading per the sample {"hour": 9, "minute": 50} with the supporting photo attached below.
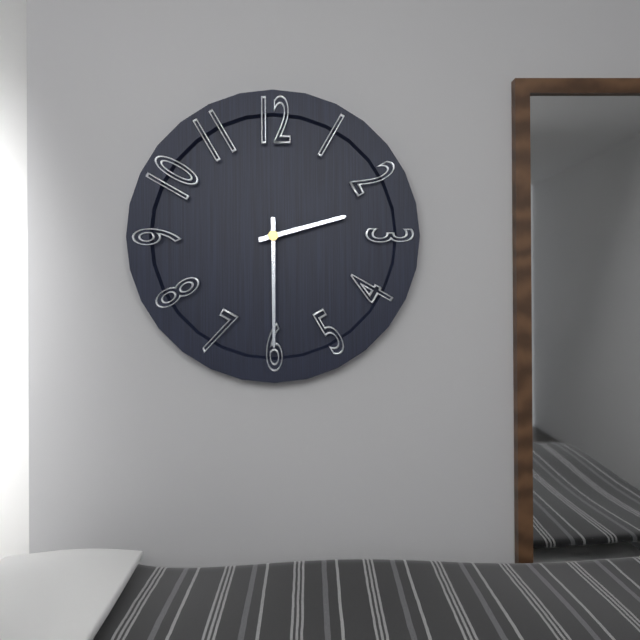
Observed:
{"hour": 2, "minute": 30}
